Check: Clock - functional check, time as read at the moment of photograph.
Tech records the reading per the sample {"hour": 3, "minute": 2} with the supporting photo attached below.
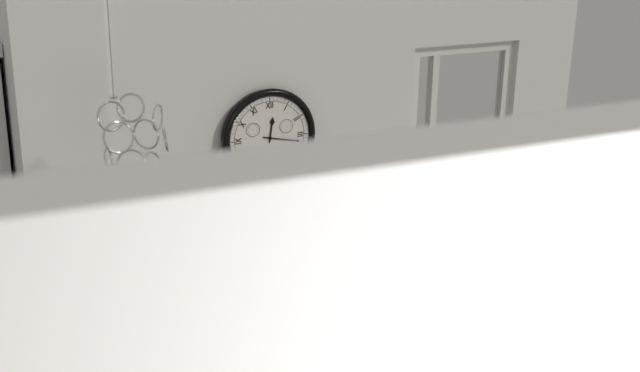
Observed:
{"hour": 12, "minute": 17}
